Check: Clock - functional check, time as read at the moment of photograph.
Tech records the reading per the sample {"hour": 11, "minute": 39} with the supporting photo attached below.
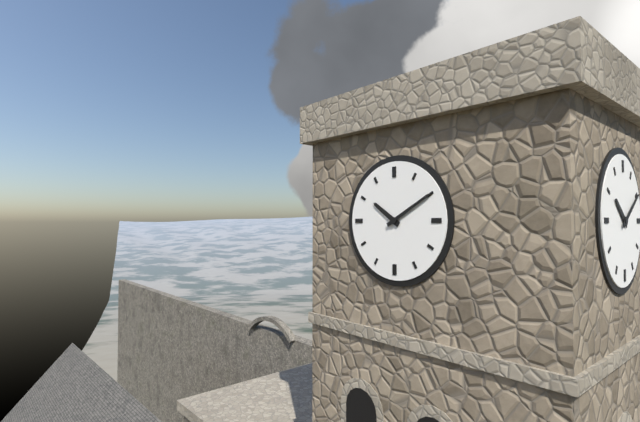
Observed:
{"hour": 10, "minute": 10}
